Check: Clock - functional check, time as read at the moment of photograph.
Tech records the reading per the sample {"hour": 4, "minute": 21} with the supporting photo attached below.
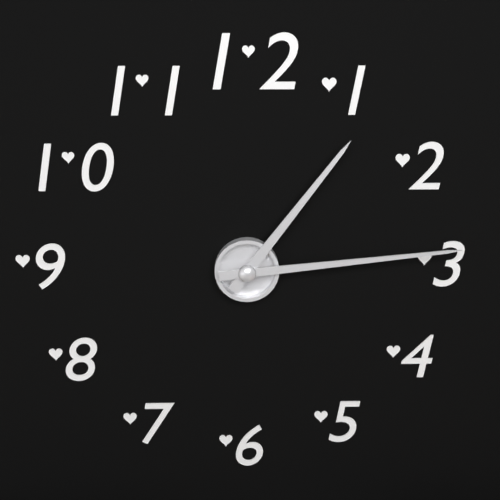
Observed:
{"hour": 1, "minute": 14}
